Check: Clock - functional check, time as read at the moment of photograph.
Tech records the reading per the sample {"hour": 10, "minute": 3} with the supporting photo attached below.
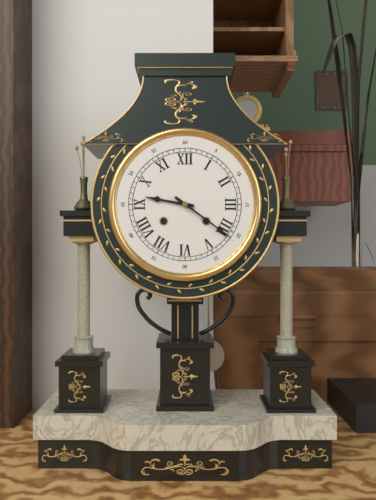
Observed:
{"hour": 9, "minute": 21}
